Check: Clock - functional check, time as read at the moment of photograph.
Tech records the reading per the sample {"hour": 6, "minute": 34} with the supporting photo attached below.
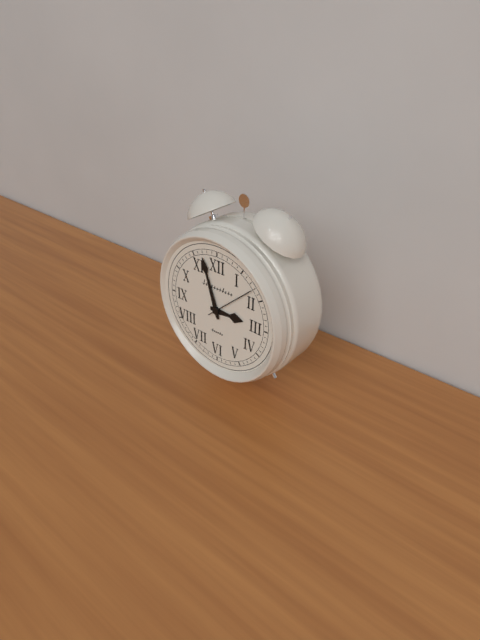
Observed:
{"hour": 2, "minute": 57}
